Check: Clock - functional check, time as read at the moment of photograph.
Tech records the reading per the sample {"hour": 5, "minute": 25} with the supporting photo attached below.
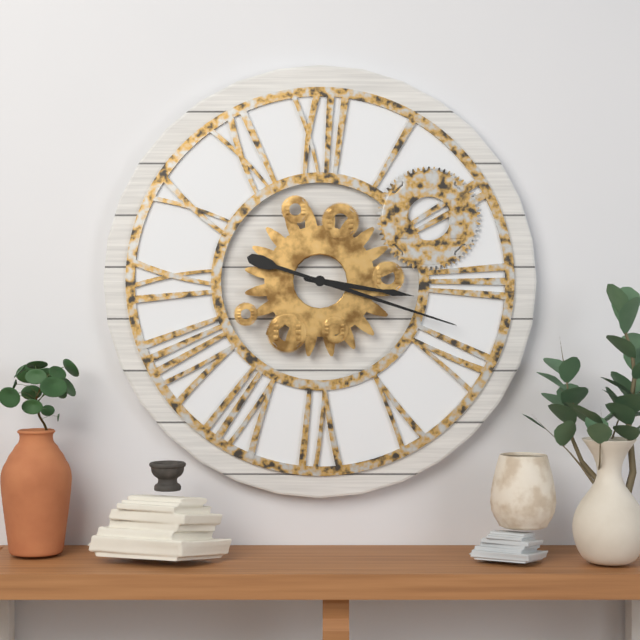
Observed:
{"hour": 3, "minute": 18}
